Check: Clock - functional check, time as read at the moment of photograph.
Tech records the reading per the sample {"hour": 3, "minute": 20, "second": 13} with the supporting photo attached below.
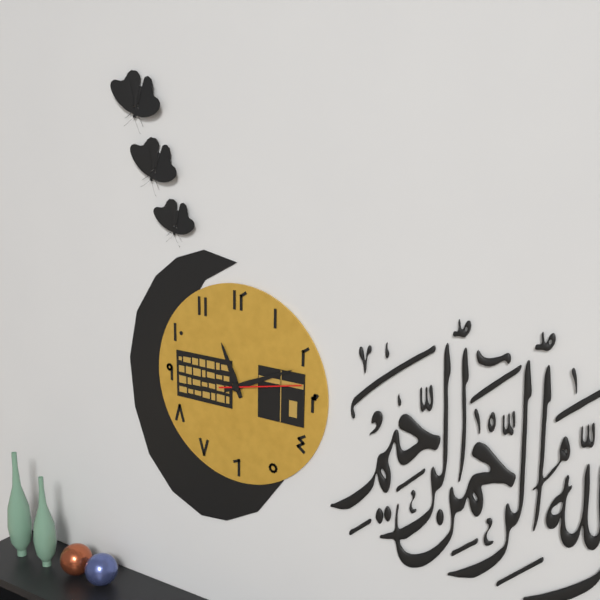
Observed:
{"hour": 11, "minute": 11, "second": 13}
